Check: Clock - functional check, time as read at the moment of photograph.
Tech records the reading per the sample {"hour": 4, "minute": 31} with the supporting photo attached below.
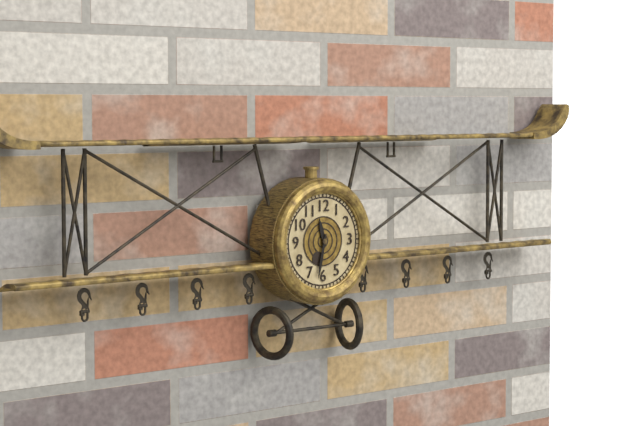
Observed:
{"hour": 11, "minute": 32}
